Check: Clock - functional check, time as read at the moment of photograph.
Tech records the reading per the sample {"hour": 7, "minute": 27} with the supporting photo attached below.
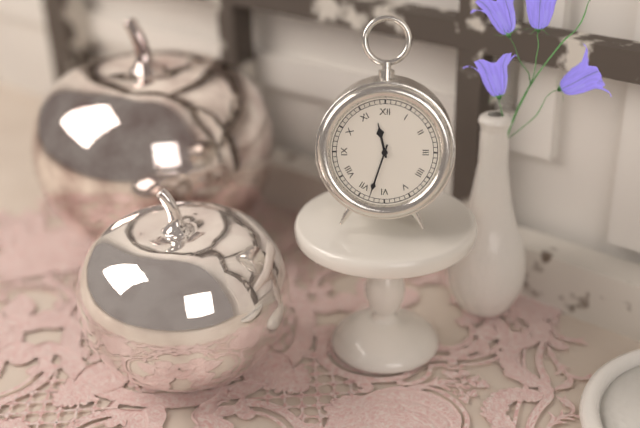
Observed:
{"hour": 11, "minute": 33}
